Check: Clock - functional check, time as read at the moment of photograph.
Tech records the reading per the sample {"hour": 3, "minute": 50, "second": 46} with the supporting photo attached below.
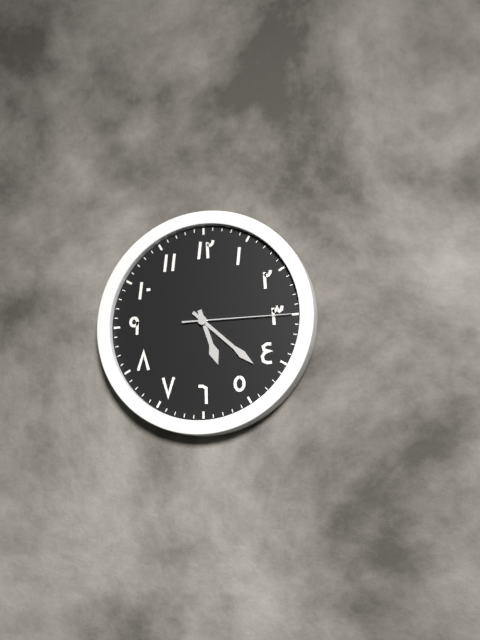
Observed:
{"hour": 5, "minute": 22, "second": 15}
